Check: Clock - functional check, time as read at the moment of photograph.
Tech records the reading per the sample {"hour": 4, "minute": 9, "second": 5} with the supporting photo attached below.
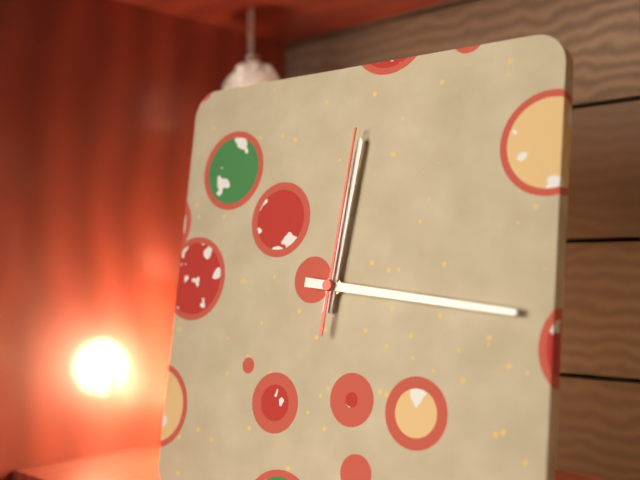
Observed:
{"hour": 12, "minute": 16, "second": 1}
